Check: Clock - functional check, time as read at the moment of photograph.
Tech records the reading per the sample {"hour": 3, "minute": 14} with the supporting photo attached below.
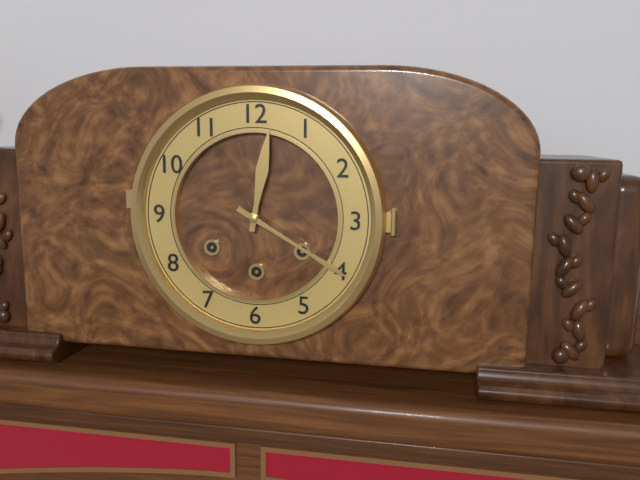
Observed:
{"hour": 12, "minute": 20}
